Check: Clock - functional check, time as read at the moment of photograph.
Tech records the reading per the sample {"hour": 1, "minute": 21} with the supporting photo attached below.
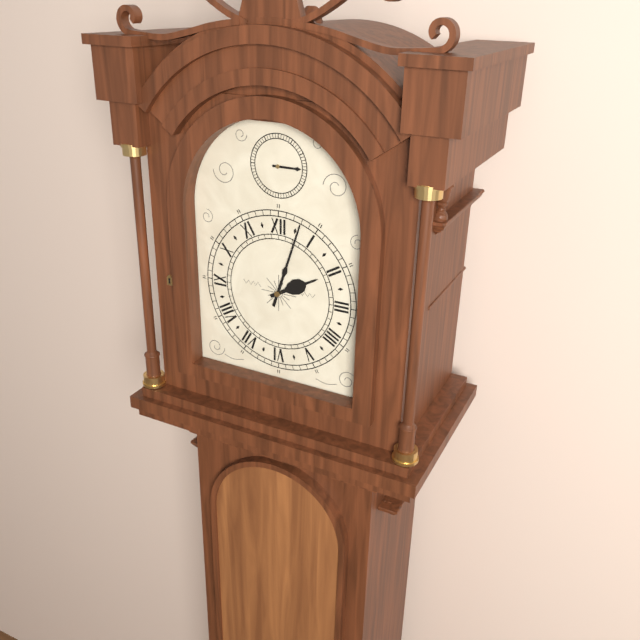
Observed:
{"hour": 2, "minute": 3}
